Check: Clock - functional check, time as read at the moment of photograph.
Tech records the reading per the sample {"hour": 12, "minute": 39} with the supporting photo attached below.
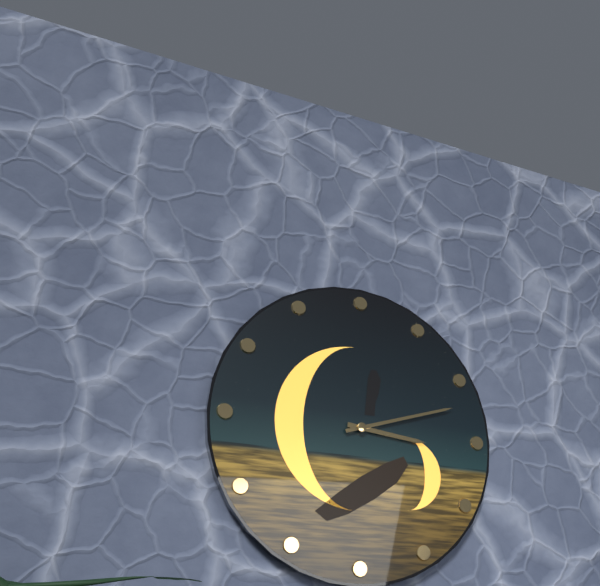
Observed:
{"hour": 3, "minute": 12}
